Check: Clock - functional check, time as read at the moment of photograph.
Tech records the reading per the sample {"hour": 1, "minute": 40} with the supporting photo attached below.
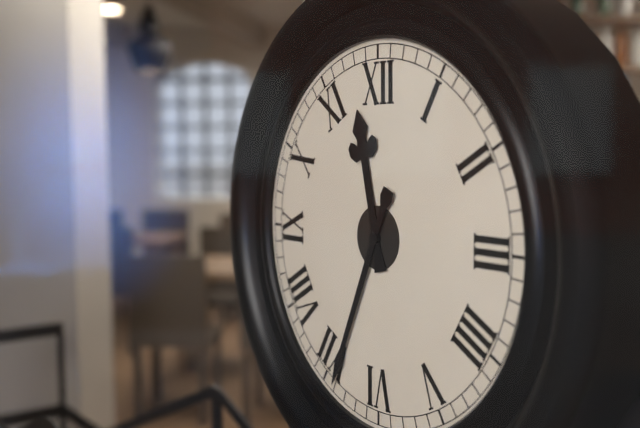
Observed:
{"hour": 11, "minute": 34}
